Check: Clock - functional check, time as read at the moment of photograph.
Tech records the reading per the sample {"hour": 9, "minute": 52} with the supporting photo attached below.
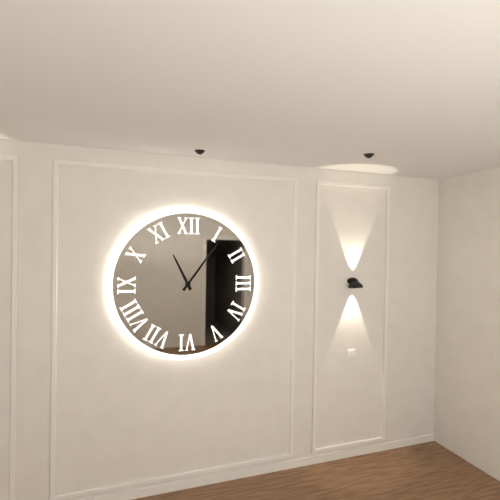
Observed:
{"hour": 11, "minute": 6}
